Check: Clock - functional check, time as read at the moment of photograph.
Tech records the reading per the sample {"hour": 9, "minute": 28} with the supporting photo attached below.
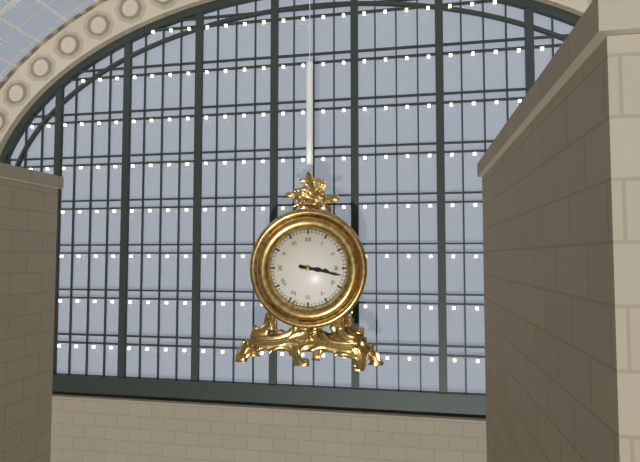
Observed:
{"hour": 3, "minute": 17}
